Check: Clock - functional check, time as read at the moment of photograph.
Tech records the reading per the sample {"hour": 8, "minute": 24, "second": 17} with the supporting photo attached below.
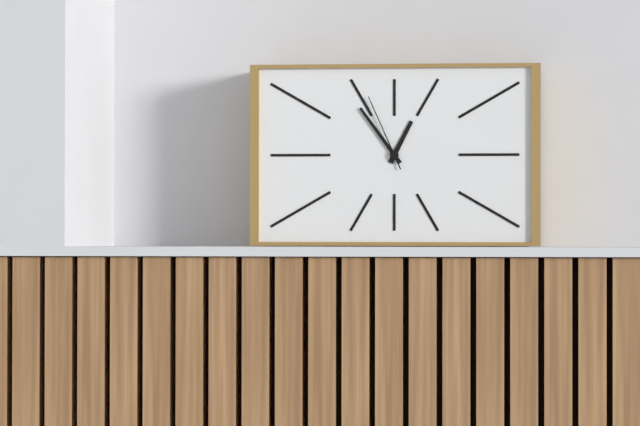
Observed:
{"hour": 12, "minute": 54, "second": 56}
